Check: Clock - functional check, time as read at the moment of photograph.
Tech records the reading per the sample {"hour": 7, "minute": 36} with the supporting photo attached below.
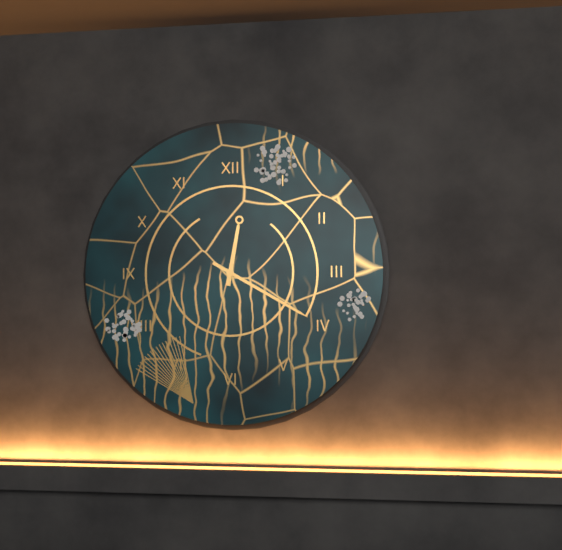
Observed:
{"hour": 12, "minute": 20}
